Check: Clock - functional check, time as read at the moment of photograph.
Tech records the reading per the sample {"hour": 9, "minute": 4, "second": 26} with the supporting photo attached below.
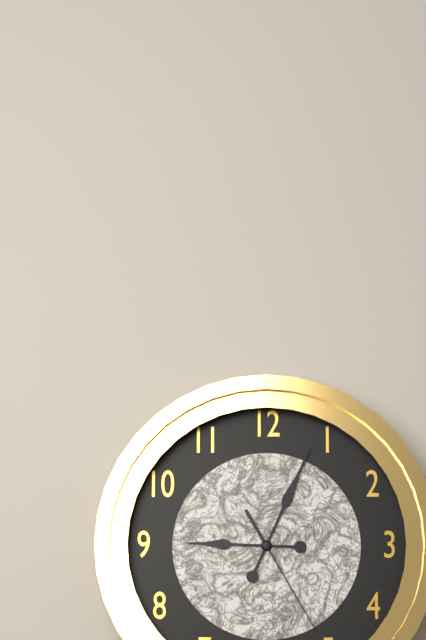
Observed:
{"hour": 9, "minute": 4, "second": 25}
